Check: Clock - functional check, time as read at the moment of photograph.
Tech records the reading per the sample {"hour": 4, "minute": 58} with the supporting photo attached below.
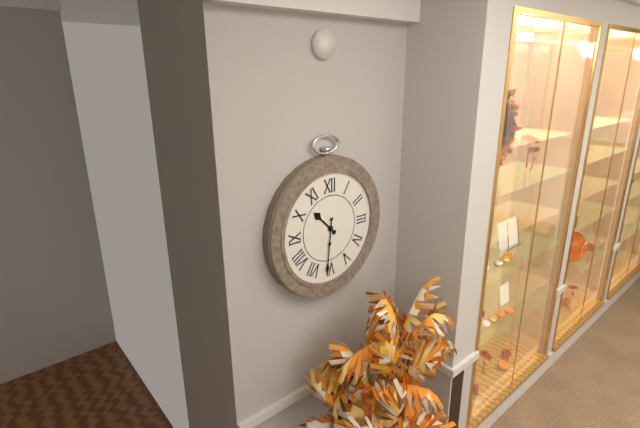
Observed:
{"hour": 10, "minute": 31}
